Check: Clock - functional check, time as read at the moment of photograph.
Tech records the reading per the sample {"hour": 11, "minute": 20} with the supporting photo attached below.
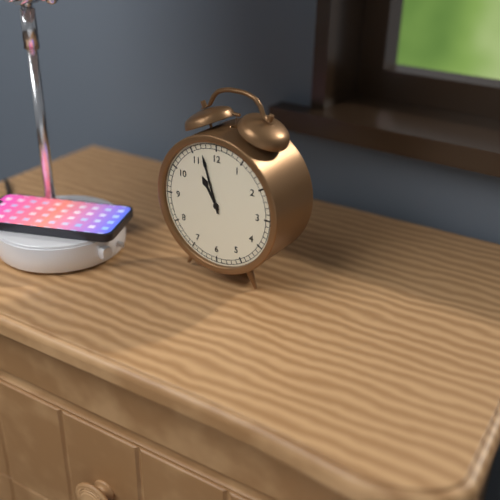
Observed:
{"hour": 10, "minute": 57}
